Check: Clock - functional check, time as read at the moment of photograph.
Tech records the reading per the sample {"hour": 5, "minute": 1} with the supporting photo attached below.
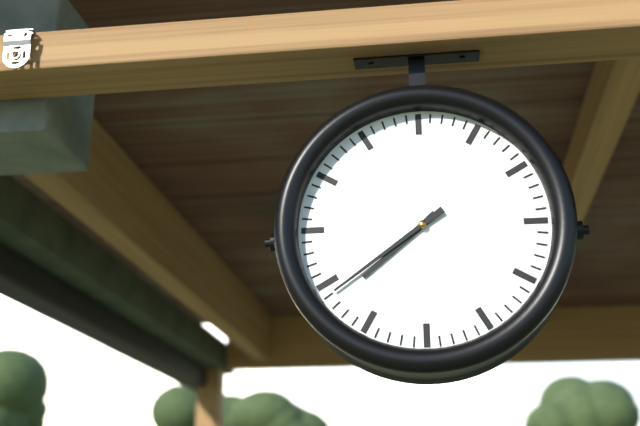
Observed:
{"hour": 7, "minute": 39}
